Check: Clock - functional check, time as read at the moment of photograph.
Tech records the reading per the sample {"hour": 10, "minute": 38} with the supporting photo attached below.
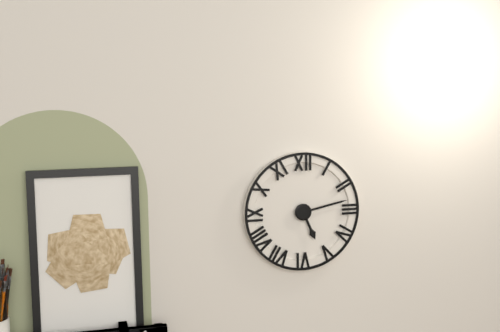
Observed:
{"hour": 5, "minute": 13}
